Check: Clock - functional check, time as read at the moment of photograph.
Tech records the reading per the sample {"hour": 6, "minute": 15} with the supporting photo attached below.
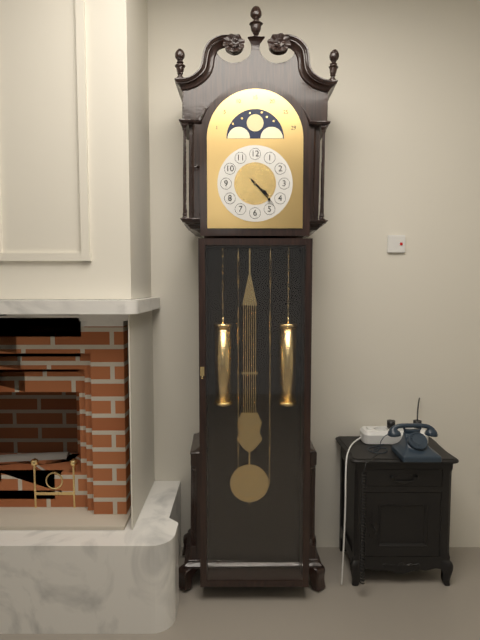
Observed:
{"hour": 4, "minute": 23}
